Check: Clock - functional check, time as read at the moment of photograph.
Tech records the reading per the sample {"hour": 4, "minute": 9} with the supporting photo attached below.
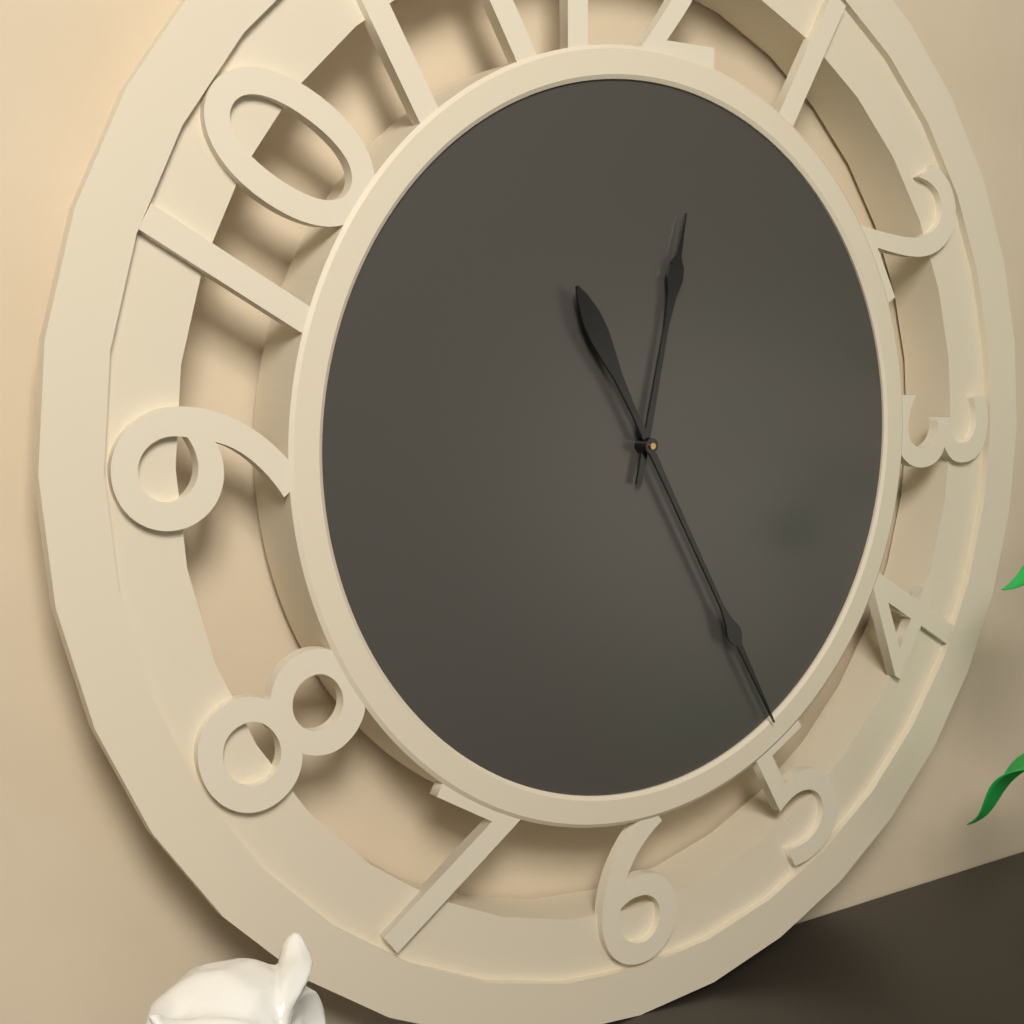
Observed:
{"hour": 12, "minute": 25}
